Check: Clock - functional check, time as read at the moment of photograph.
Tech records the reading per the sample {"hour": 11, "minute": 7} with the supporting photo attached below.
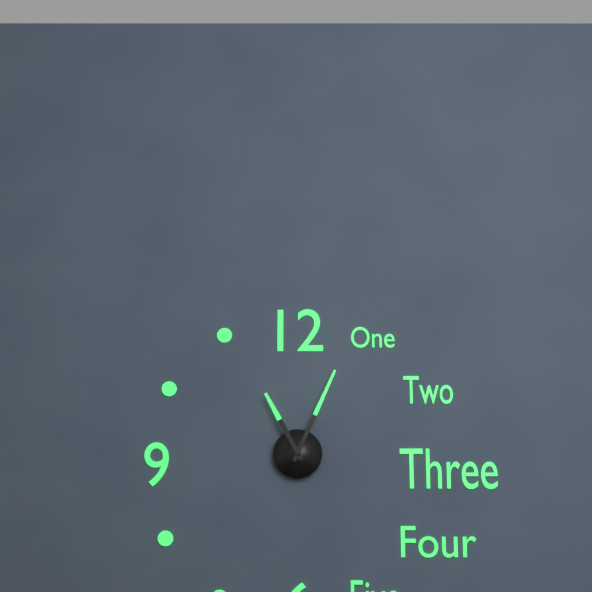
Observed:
{"hour": 11, "minute": 4}
